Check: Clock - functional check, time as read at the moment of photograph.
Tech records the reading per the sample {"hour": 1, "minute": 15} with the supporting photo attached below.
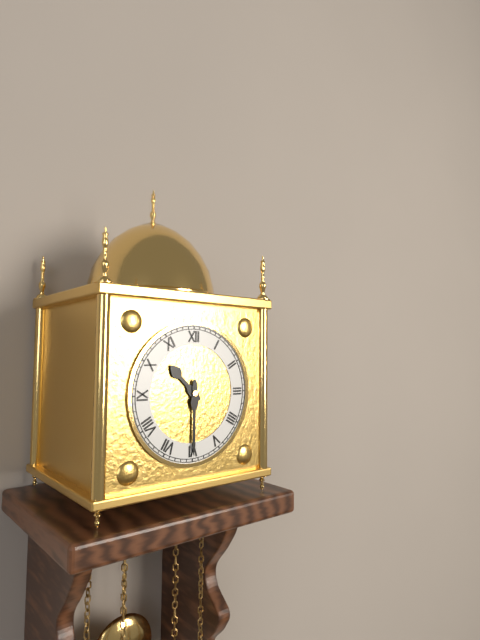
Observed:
{"hour": 10, "minute": 30}
